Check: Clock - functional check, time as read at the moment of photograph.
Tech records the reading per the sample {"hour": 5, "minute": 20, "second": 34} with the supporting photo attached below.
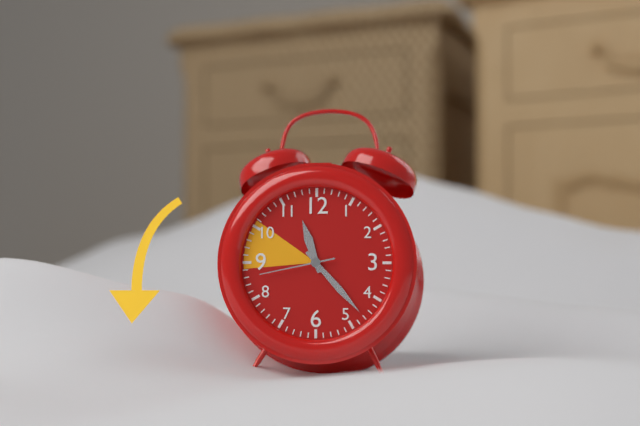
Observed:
{"hour": 11, "minute": 23, "second": 43}
